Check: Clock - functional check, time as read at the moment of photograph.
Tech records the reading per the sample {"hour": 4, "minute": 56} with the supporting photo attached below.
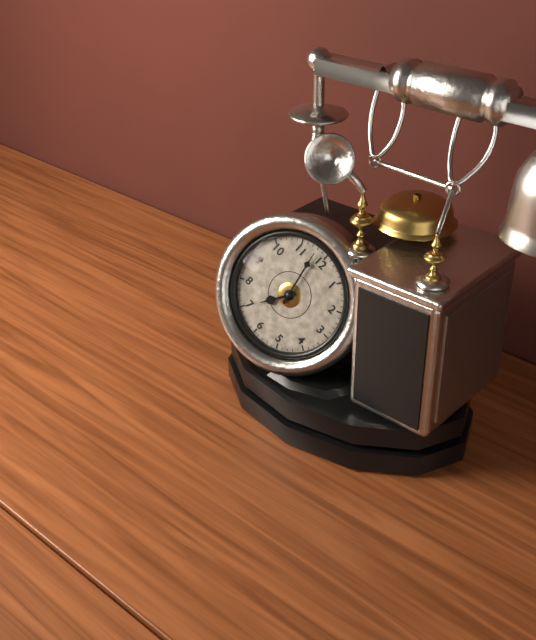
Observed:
{"hour": 6, "minute": 58}
